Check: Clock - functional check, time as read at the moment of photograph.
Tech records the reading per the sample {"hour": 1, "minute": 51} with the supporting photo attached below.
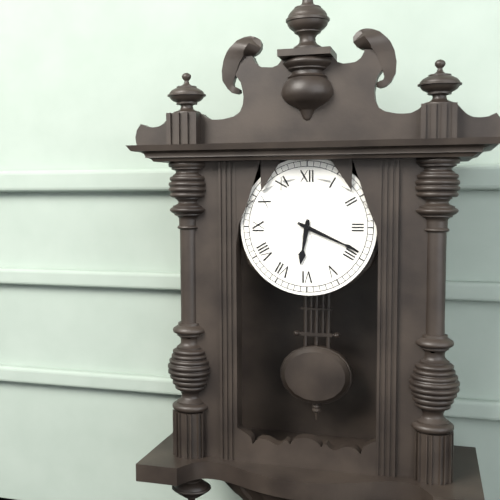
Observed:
{"hour": 6, "minute": 19}
